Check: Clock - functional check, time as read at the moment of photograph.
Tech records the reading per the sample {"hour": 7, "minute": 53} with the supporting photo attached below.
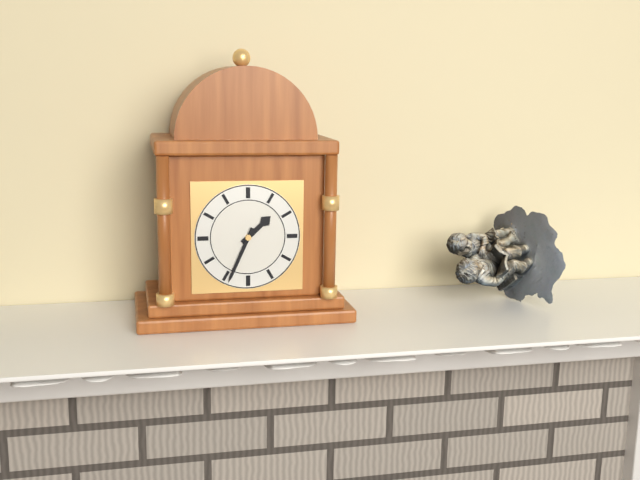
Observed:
{"hour": 1, "minute": 34}
